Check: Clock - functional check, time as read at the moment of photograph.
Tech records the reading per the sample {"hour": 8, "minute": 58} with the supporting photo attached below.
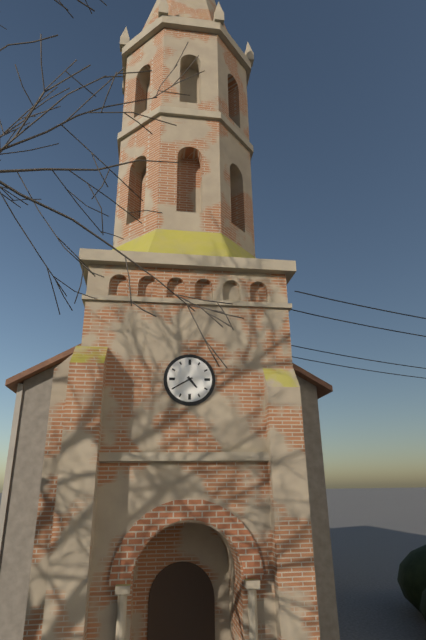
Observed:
{"hour": 4, "minute": 40}
